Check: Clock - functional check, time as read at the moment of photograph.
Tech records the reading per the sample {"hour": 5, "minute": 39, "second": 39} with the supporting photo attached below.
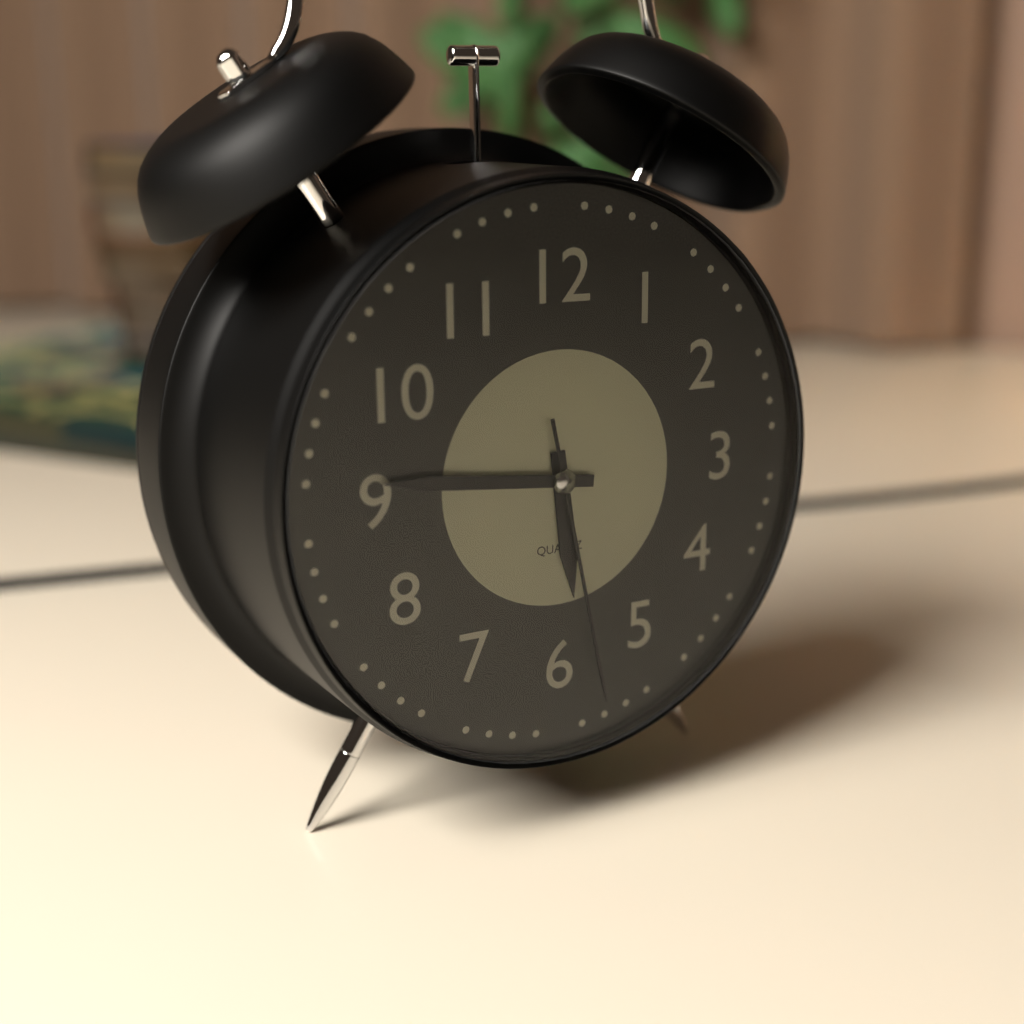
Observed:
{"hour": 5, "minute": 46, "second": 28}
